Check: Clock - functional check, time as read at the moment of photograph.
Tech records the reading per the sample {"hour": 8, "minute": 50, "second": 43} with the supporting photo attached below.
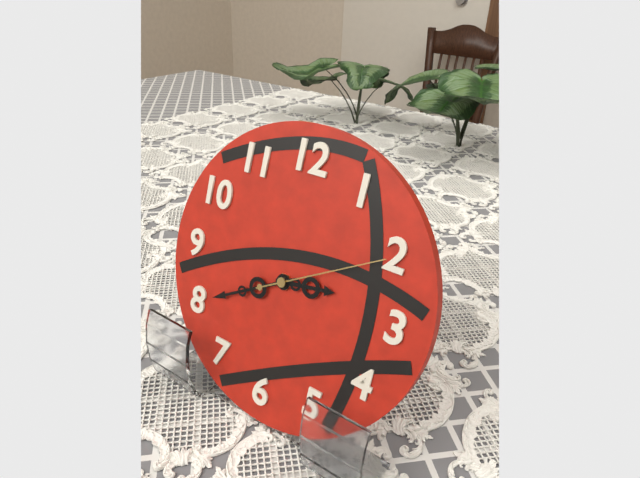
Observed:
{"hour": 2, "minute": 40, "second": 10}
